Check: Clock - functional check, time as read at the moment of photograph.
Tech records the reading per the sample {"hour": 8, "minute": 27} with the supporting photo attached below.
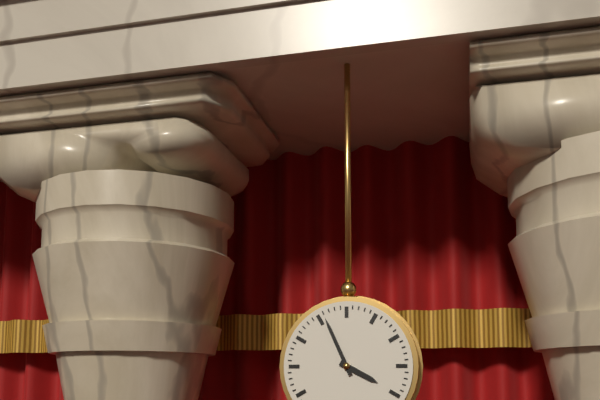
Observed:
{"hour": 3, "minute": 56}
